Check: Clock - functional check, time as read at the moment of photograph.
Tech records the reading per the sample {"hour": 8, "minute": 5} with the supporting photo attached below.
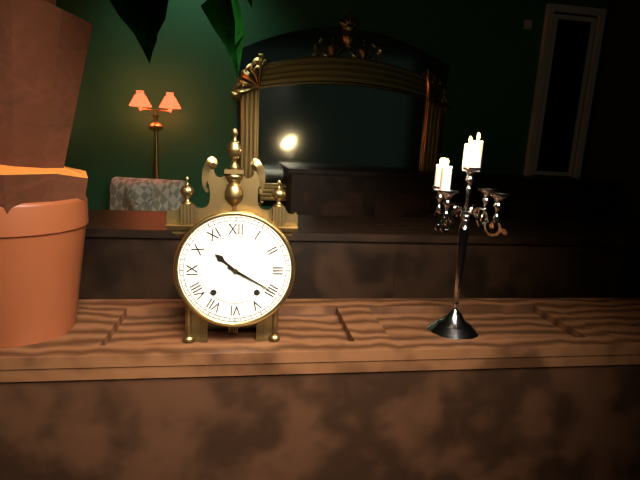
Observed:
{"hour": 10, "minute": 20}
